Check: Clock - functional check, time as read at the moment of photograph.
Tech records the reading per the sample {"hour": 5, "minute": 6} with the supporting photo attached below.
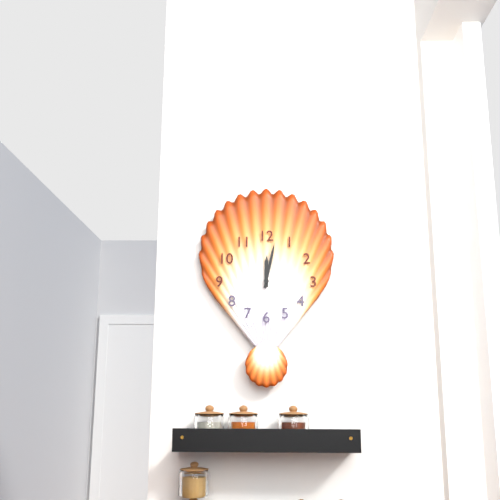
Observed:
{"hour": 12, "minute": 2}
